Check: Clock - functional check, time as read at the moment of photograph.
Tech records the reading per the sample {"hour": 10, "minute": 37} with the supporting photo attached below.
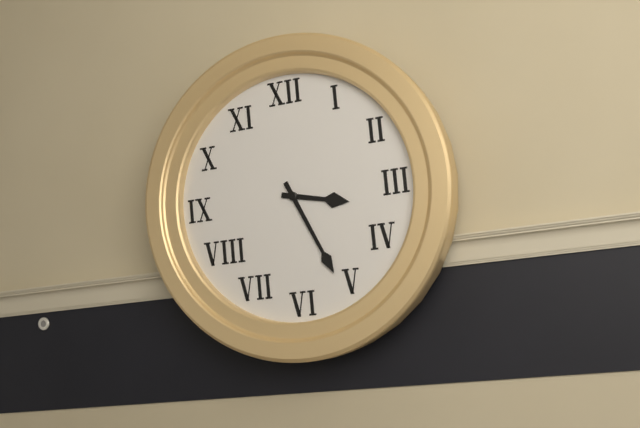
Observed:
{"hour": 3, "minute": 26}
